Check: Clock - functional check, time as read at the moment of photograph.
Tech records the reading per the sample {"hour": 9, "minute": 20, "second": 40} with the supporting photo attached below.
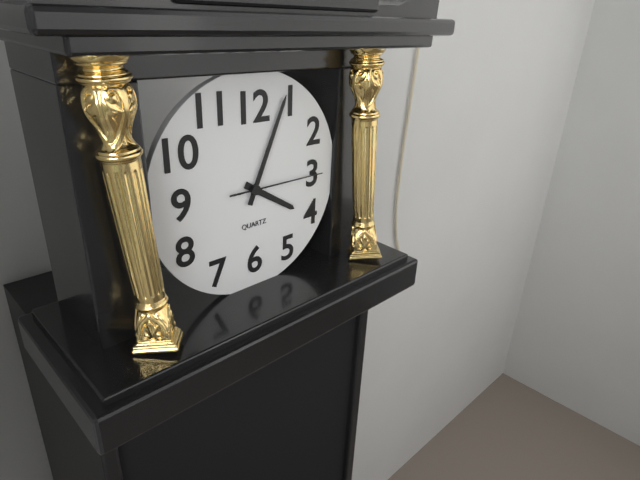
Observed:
{"hour": 4, "minute": 4, "second": 15}
